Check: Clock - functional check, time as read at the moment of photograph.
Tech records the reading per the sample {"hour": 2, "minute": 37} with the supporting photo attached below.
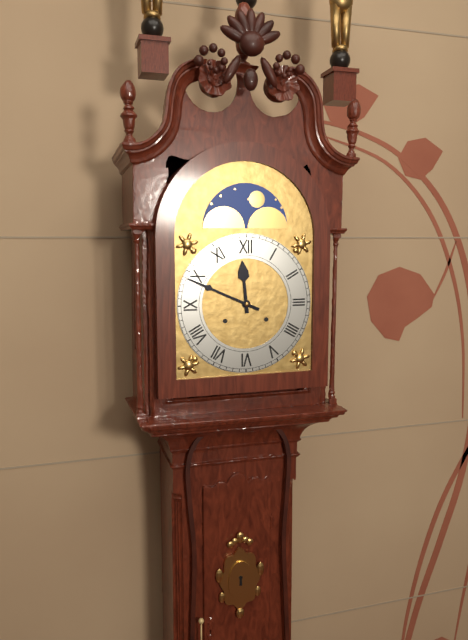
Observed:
{"hour": 11, "minute": 49}
